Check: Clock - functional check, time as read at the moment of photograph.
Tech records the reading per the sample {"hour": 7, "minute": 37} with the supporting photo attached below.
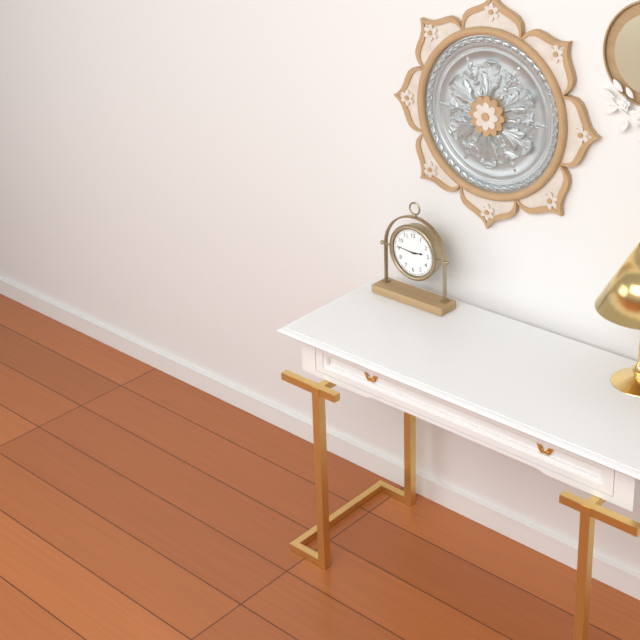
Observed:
{"hour": 2, "minute": 46}
